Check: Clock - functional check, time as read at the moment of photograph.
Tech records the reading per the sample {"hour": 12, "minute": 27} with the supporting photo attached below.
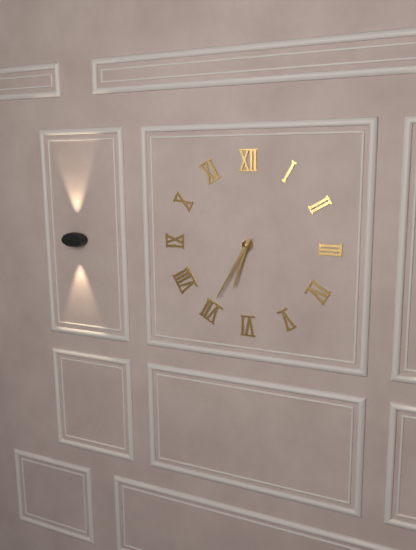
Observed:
{"hour": 6, "minute": 35}
